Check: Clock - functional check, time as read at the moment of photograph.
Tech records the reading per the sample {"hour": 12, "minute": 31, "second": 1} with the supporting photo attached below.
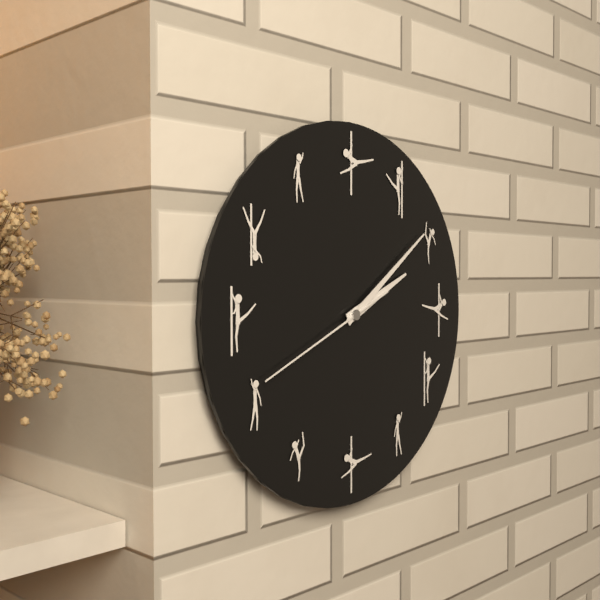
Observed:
{"hour": 2, "minute": 9, "second": 41}
